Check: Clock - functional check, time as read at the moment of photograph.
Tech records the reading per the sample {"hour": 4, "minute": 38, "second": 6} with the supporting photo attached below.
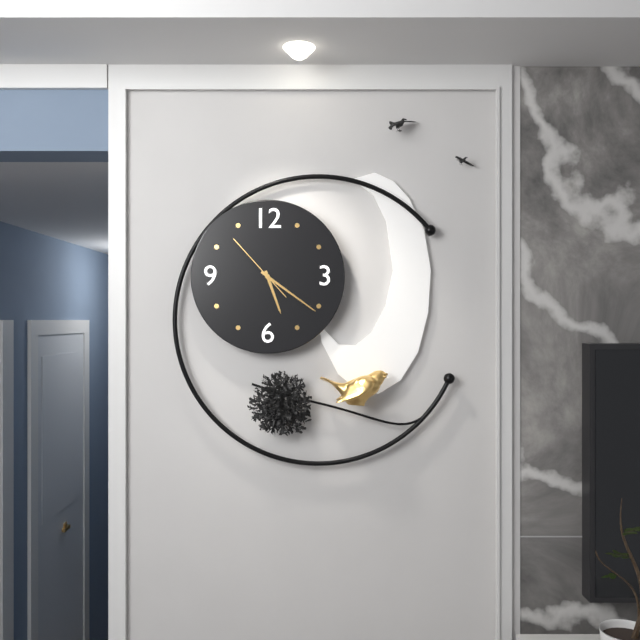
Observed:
{"hour": 5, "minute": 21, "second": 53}
